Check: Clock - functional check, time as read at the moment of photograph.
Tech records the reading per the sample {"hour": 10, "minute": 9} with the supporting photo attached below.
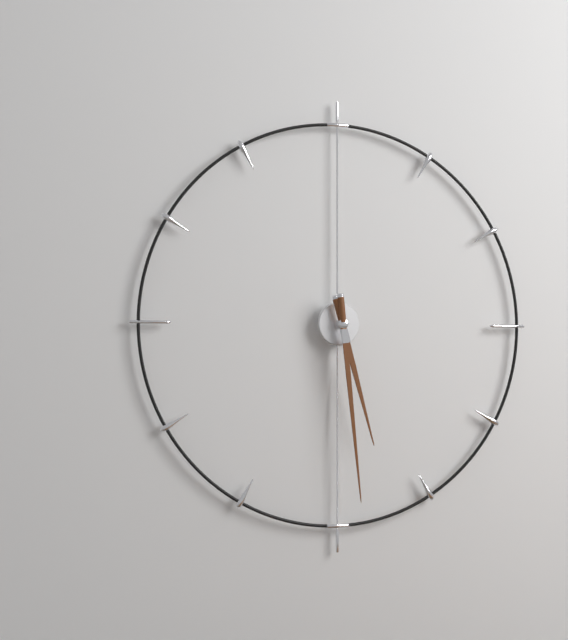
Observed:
{"hour": 5, "minute": 29}
